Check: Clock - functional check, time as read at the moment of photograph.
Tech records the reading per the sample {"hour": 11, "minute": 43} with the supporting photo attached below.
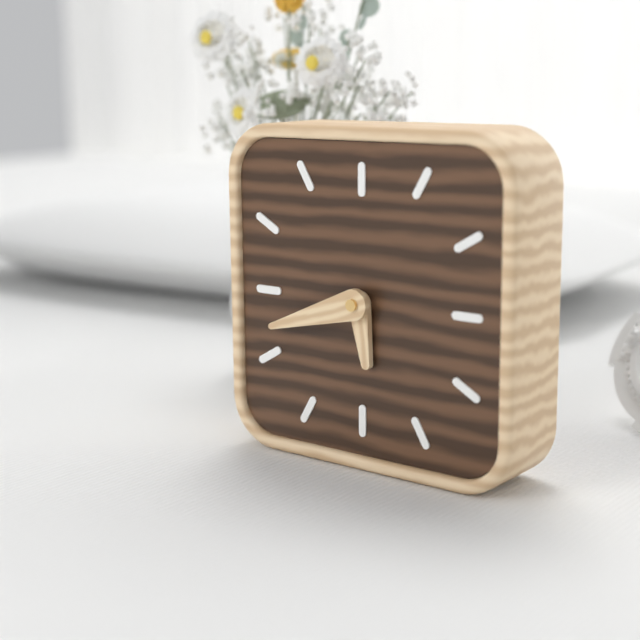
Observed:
{"hour": 5, "minute": 42}
